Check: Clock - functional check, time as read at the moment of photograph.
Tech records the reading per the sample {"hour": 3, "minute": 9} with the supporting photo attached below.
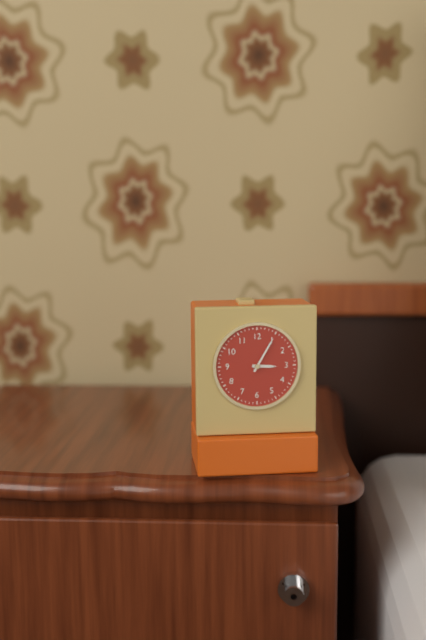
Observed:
{"hour": 3, "minute": 5}
